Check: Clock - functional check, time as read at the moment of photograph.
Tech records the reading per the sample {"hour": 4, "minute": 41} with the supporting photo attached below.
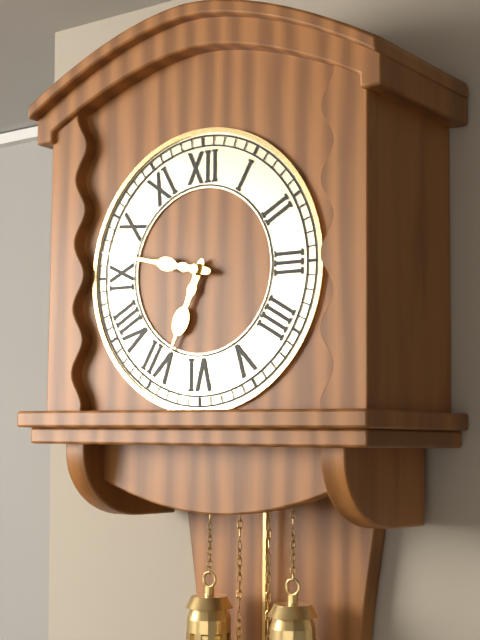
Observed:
{"hour": 6, "minute": 47}
